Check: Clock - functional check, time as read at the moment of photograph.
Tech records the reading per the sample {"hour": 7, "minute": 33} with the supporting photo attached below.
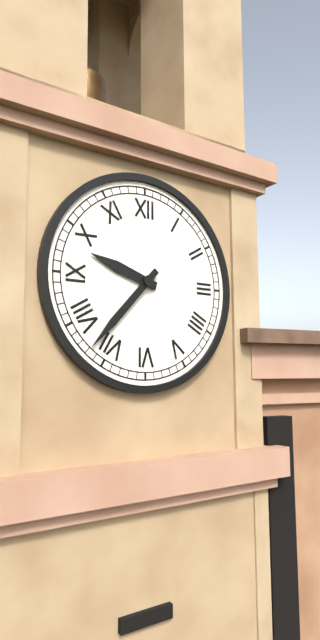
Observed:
{"hour": 9, "minute": 37}
